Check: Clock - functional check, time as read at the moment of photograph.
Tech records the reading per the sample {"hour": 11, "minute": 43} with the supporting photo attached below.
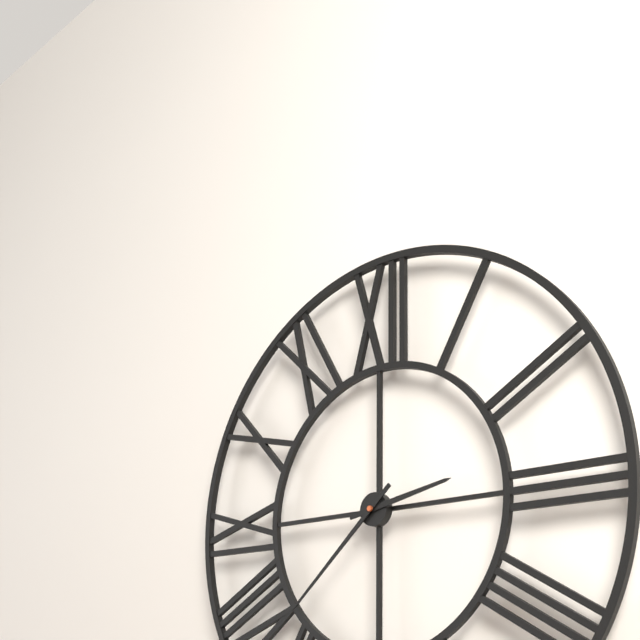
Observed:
{"hour": 2, "minute": 38}
